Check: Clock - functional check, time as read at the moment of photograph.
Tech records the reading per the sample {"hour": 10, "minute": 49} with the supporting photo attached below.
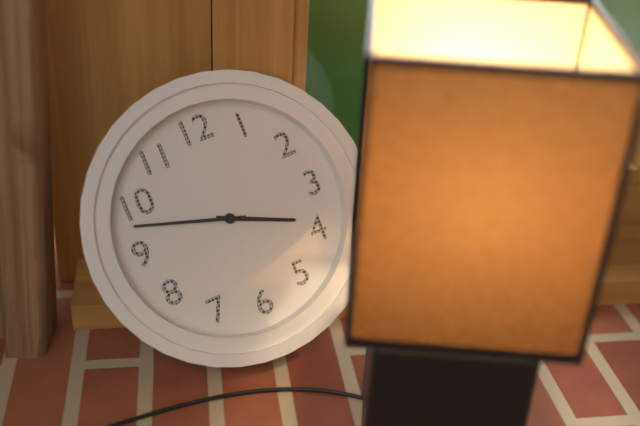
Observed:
{"hour": 3, "minute": 48}
